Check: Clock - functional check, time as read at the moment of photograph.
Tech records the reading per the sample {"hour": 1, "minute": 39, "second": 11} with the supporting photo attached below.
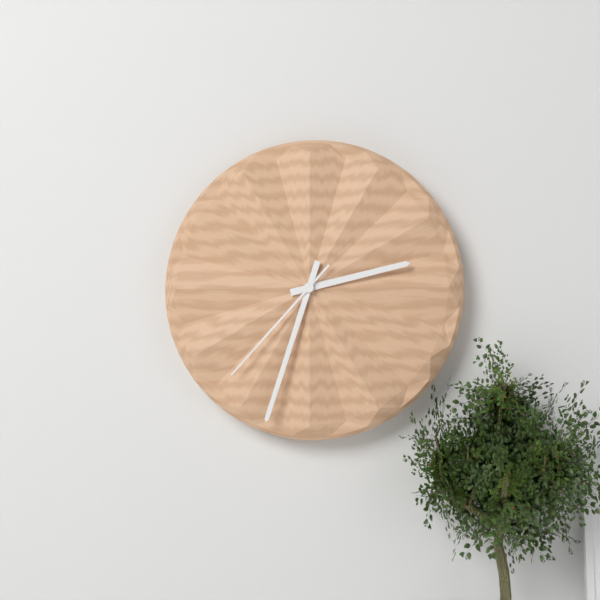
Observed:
{"hour": 2, "minute": 33, "second": 37}
